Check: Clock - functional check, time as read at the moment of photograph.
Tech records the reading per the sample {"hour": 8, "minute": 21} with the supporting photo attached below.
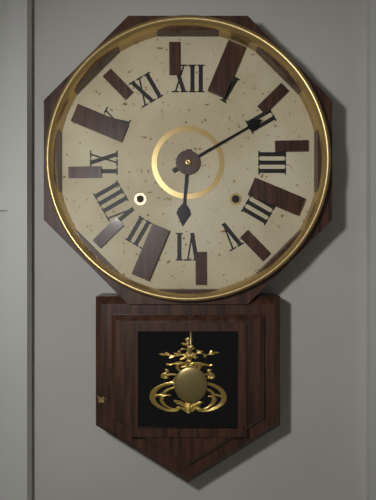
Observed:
{"hour": 6, "minute": 10}
